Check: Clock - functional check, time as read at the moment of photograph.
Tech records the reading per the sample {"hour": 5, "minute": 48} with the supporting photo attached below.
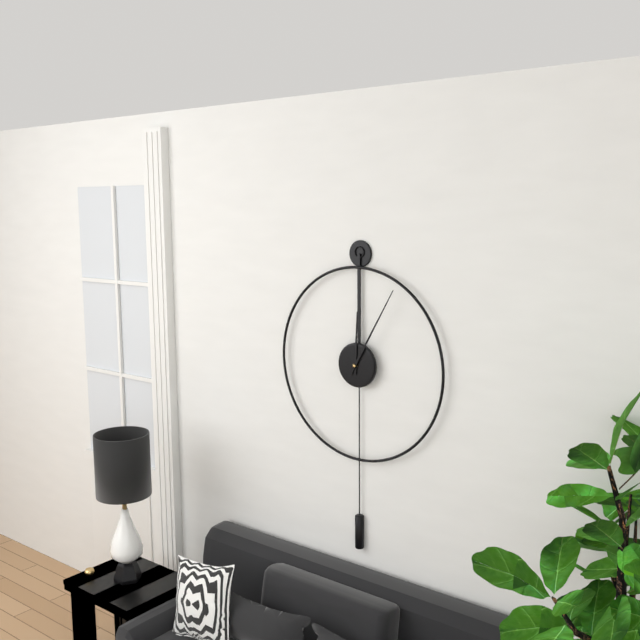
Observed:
{"hour": 12, "minute": 5}
